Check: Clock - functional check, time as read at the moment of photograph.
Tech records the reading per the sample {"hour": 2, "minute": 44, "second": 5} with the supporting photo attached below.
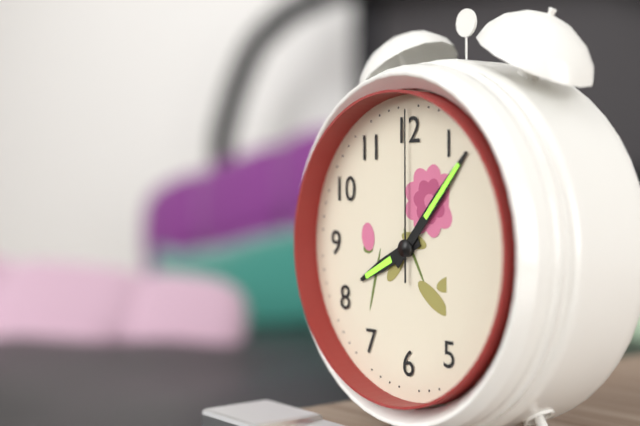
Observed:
{"hour": 8, "minute": 7, "second": 0}
